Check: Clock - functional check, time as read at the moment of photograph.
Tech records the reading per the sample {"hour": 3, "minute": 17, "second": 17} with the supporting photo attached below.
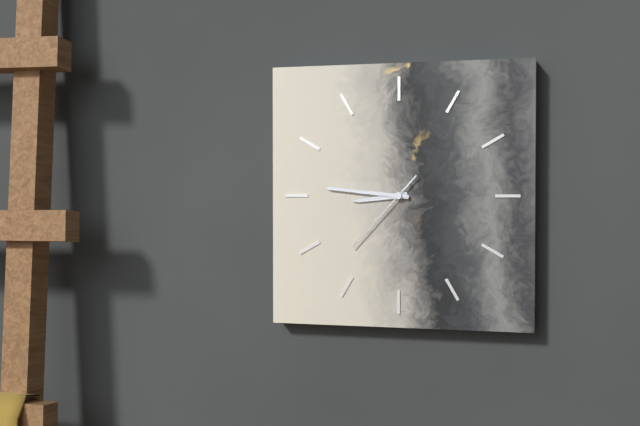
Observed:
{"hour": 8, "minute": 46, "second": 37}
